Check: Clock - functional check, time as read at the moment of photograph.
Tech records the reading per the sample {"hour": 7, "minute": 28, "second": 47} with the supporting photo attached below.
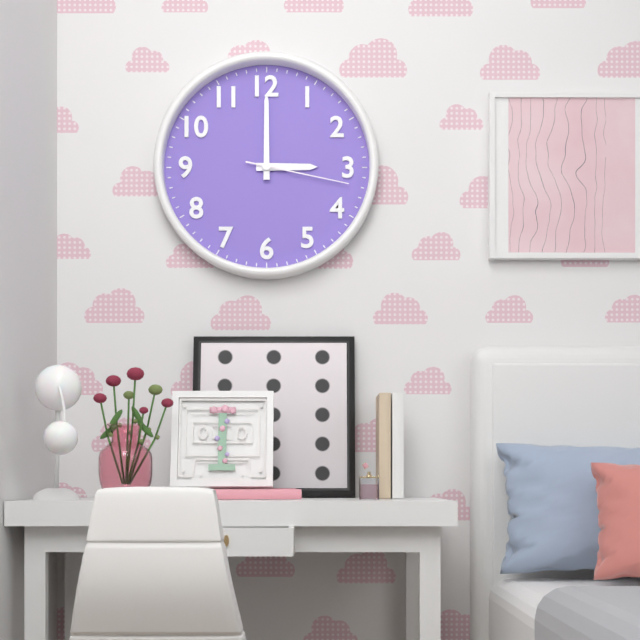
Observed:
{"hour": 3, "minute": 0, "second": 17}
